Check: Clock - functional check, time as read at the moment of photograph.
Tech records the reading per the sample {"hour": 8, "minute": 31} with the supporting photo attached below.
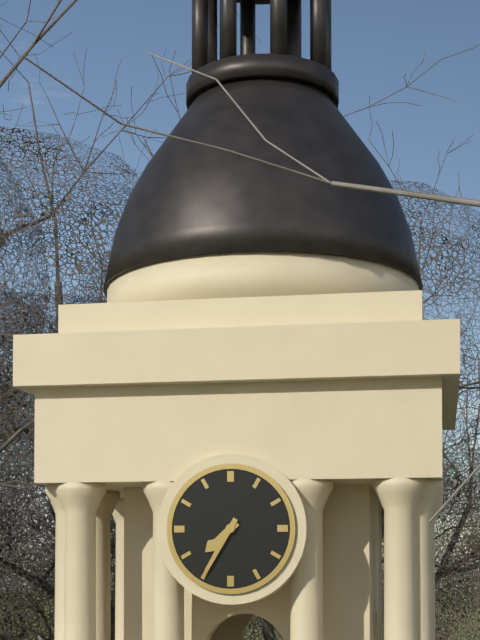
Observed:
{"hour": 7, "minute": 35}
